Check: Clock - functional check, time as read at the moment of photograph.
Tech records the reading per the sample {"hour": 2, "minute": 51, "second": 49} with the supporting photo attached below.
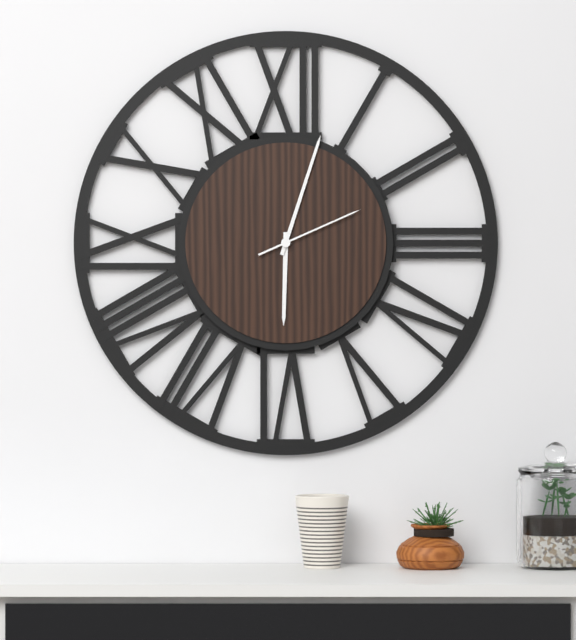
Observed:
{"hour": 6, "minute": 3, "second": 11}
